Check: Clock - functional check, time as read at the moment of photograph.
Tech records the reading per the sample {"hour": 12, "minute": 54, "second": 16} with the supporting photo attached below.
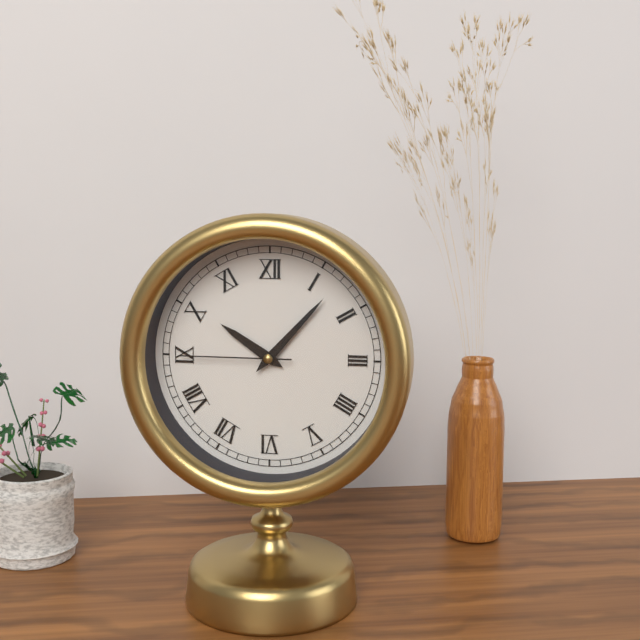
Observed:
{"hour": 10, "minute": 7, "second": 45}
